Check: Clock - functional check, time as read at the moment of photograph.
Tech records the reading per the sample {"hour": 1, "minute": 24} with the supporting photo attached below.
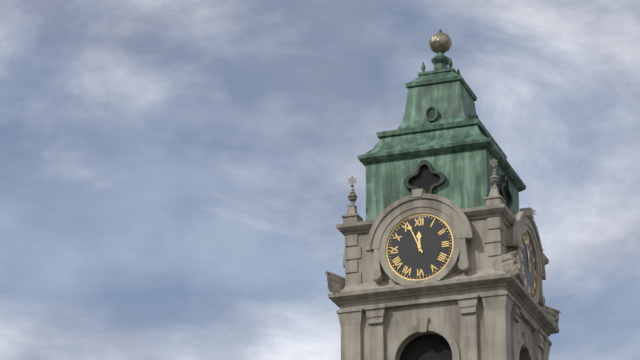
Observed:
{"hour": 11, "minute": 56}
